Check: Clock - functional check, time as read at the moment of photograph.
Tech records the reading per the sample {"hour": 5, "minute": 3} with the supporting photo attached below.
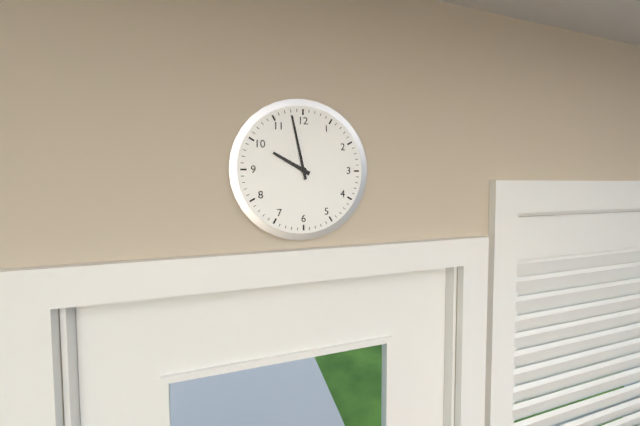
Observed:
{"hour": 9, "minute": 58}
